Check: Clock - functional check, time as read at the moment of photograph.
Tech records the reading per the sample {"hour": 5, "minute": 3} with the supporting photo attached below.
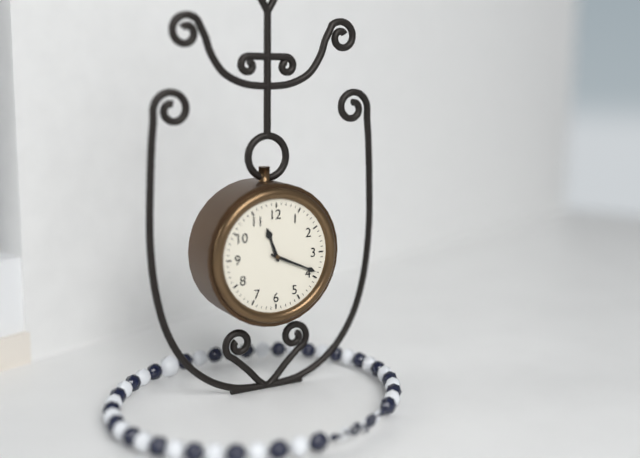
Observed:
{"hour": 11, "minute": 19}
